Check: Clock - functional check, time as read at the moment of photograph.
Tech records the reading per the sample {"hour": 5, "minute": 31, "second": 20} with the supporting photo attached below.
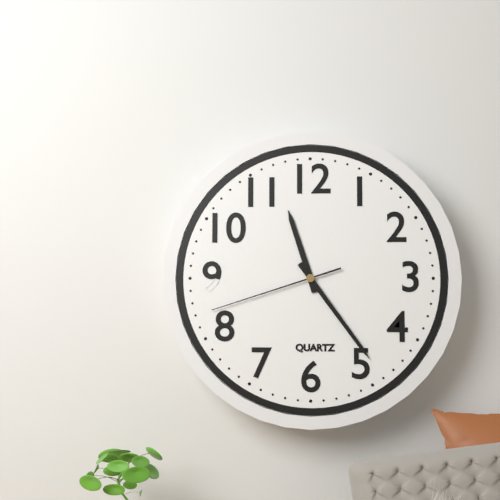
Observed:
{"hour": 11, "minute": 24, "second": 42}
